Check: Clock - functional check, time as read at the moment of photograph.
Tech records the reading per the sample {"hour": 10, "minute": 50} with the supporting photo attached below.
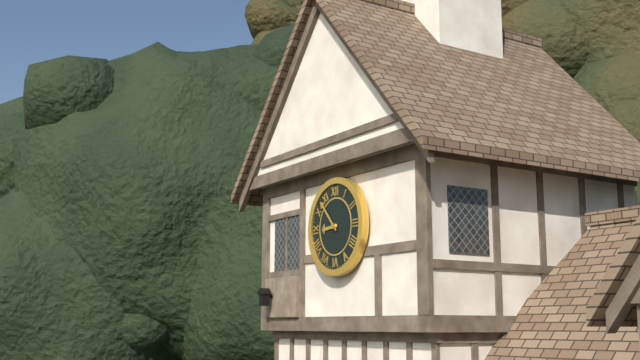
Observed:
{"hour": 8, "minute": 53}
